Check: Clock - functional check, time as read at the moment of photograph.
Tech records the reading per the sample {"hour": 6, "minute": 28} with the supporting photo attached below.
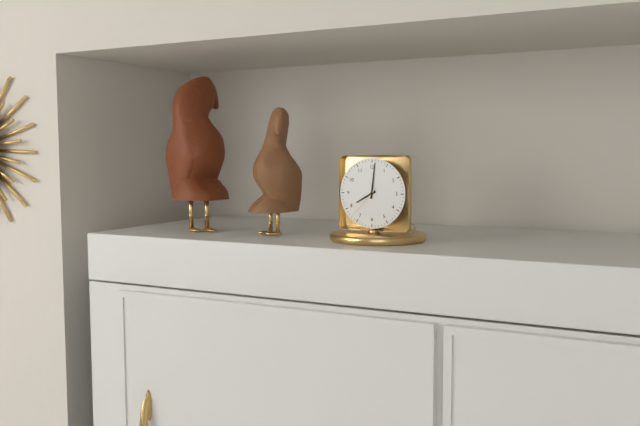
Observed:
{"hour": 8, "minute": 1}
